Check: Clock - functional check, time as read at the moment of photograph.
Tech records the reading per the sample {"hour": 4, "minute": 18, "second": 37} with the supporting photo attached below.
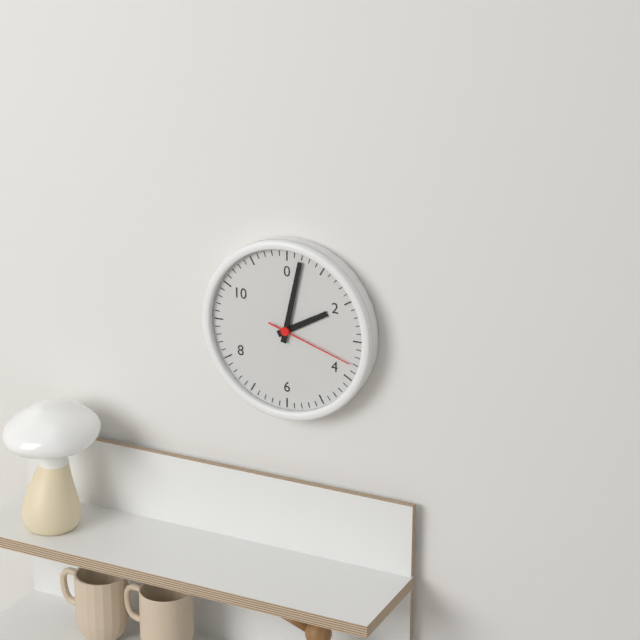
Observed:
{"hour": 2, "minute": 2, "second": 18}
